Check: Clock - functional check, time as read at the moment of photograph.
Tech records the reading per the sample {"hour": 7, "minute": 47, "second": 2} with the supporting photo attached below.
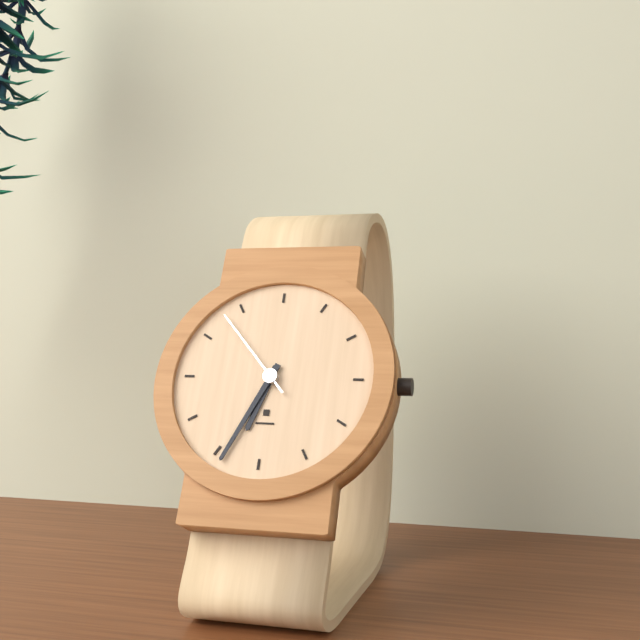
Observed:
{"hour": 6, "minute": 34, "second": 53}
